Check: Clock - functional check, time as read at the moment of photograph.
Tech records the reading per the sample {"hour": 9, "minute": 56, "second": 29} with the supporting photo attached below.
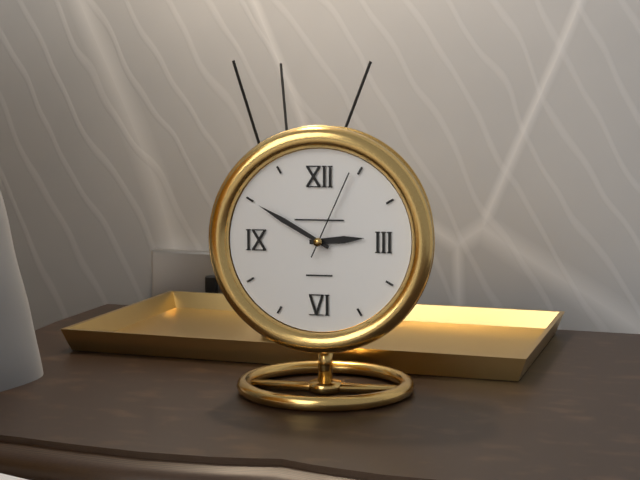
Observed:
{"hour": 2, "minute": 50, "second": 4}
